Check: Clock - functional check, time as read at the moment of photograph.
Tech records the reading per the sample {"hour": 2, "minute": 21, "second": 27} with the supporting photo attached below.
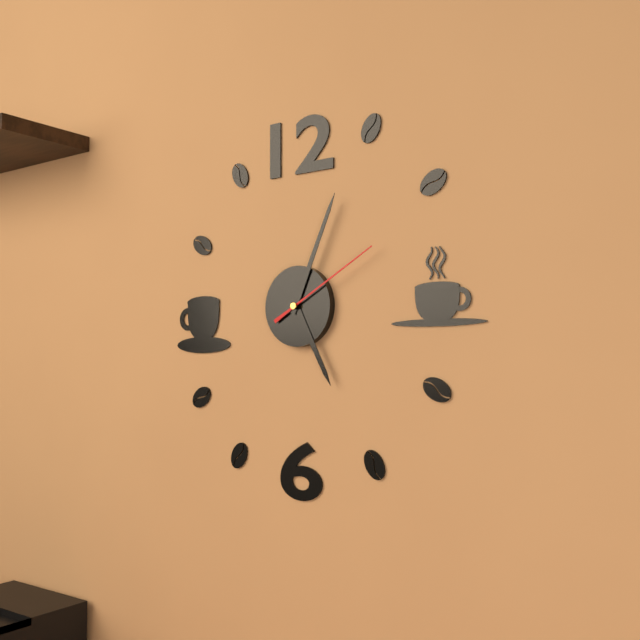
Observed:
{"hour": 5, "minute": 4, "second": 10}
